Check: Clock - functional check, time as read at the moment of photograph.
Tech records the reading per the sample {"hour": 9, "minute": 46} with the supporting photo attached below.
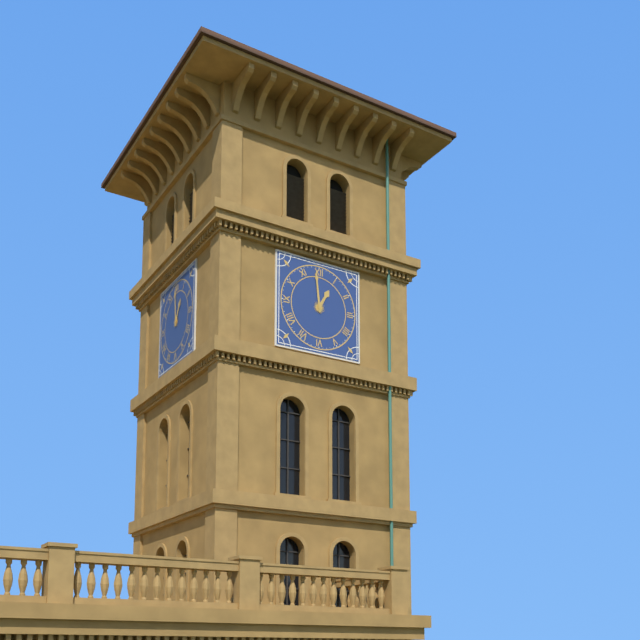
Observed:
{"hour": 12, "minute": 59}
